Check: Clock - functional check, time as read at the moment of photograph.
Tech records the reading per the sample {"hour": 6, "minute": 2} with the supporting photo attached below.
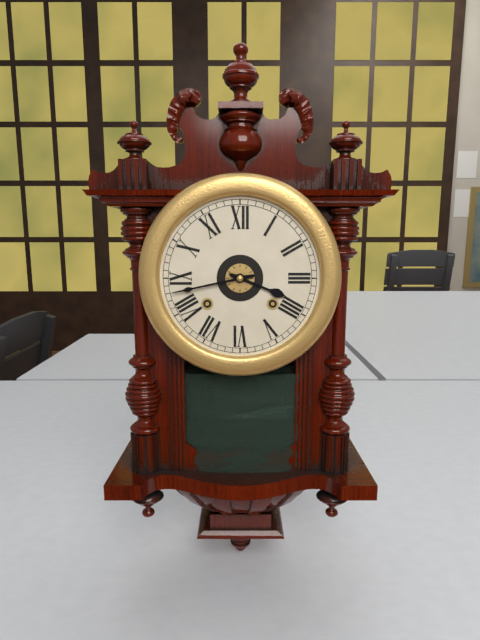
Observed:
{"hour": 3, "minute": 43}
